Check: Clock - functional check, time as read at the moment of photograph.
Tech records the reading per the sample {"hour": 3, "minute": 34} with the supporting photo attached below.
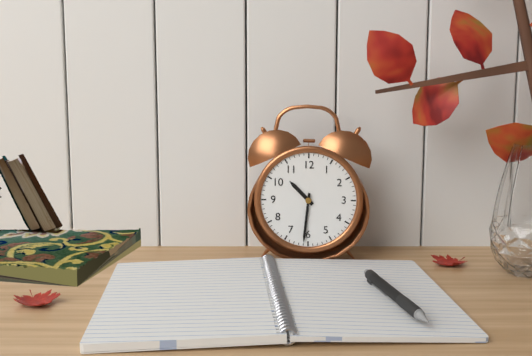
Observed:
{"hour": 10, "minute": 31}
